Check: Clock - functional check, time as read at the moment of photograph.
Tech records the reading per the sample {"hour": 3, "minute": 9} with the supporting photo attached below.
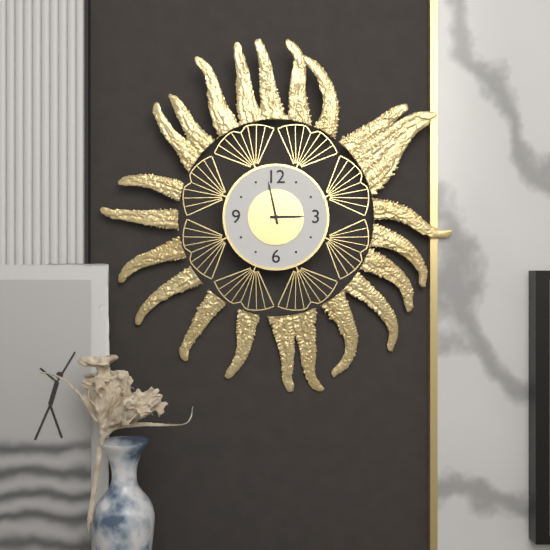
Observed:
{"hour": 2, "minute": 58}
